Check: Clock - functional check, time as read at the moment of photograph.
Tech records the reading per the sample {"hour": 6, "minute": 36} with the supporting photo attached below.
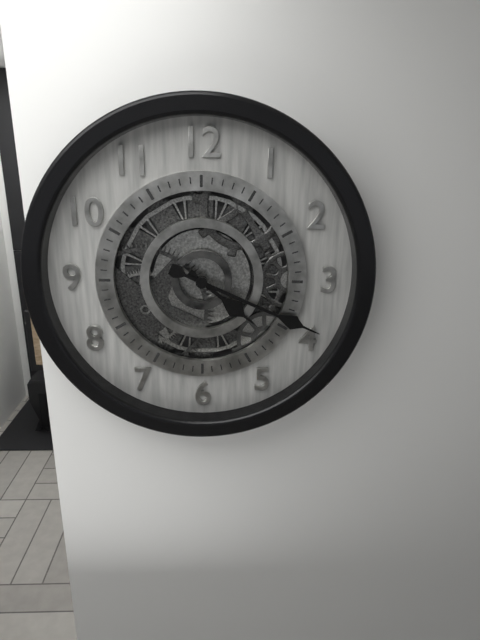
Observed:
{"hour": 4, "minute": 19}
